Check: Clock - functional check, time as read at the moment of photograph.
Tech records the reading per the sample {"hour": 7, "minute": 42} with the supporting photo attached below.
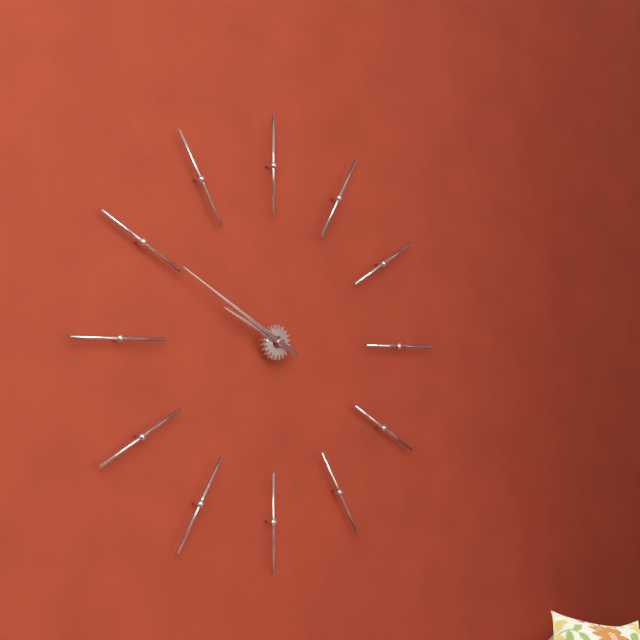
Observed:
{"hour": 9, "minute": 50}
